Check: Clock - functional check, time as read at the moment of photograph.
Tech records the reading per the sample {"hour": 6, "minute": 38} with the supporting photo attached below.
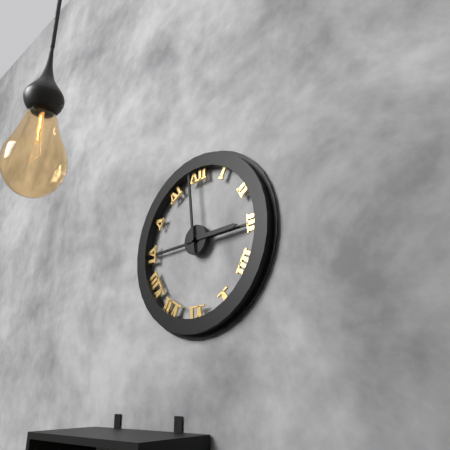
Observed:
{"hour": 2, "minute": 59}
